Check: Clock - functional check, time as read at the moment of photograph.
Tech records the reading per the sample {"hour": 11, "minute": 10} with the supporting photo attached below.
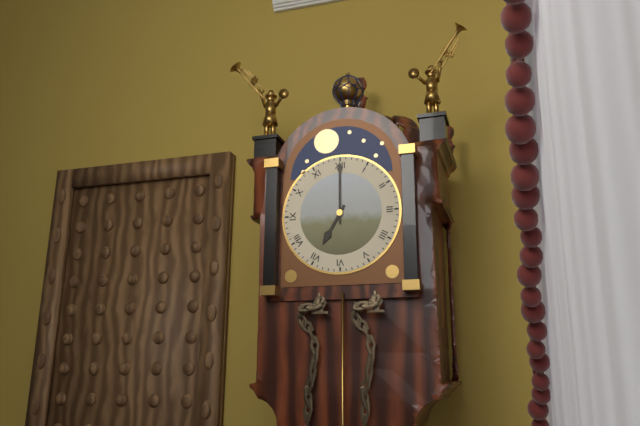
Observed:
{"hour": 7, "minute": 0}
